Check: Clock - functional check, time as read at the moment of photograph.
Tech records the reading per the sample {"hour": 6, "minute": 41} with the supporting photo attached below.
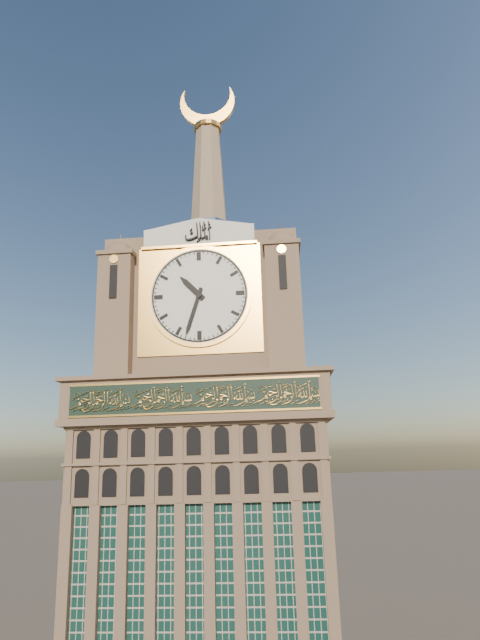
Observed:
{"hour": 10, "minute": 33}
